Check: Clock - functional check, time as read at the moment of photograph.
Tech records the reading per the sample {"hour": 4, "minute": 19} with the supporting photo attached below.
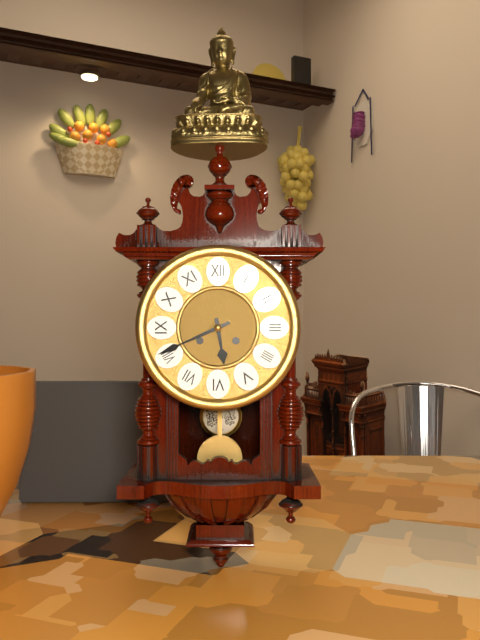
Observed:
{"hour": 5, "minute": 41}
